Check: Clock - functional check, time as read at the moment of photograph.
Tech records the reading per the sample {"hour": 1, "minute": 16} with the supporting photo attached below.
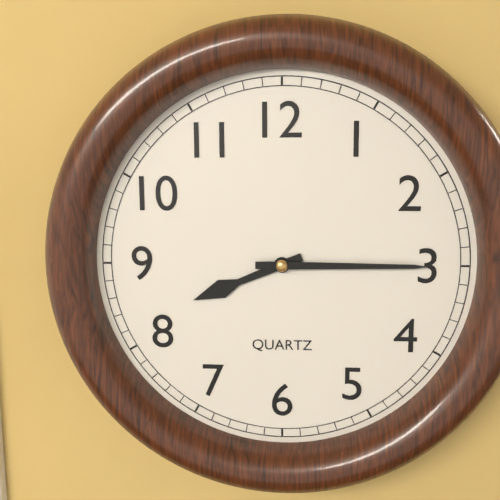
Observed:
{"hour": 8, "minute": 15}
